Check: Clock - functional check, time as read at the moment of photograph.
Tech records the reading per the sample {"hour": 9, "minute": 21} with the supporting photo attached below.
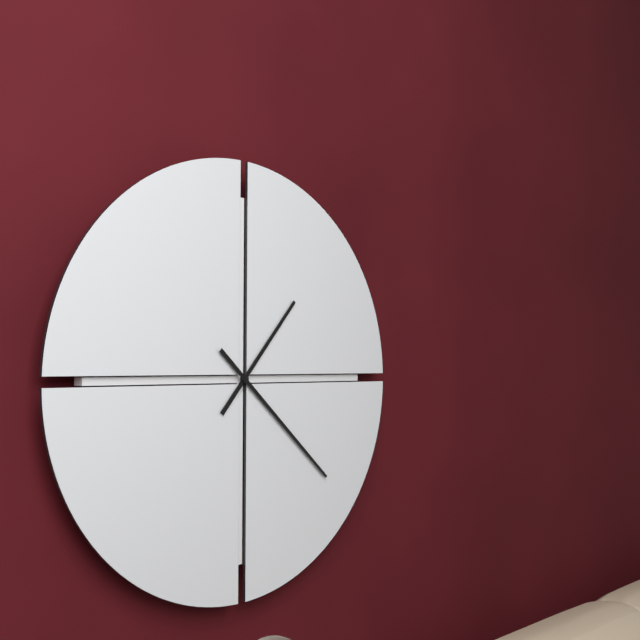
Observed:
{"hour": 1, "minute": 22}
